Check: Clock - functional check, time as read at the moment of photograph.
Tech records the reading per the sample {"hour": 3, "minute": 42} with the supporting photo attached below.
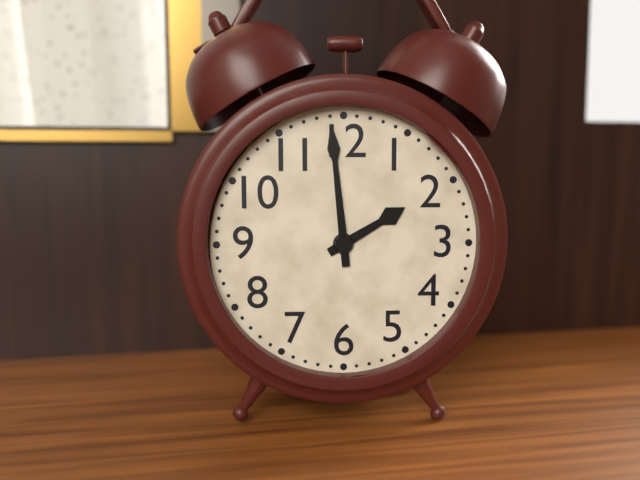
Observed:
{"hour": 1, "minute": 59}
